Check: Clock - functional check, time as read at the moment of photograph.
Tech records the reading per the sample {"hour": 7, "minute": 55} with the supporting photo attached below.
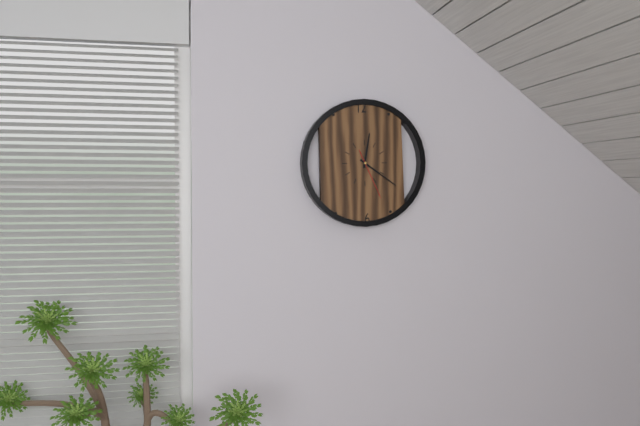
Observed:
{"hour": 12, "minute": 21}
